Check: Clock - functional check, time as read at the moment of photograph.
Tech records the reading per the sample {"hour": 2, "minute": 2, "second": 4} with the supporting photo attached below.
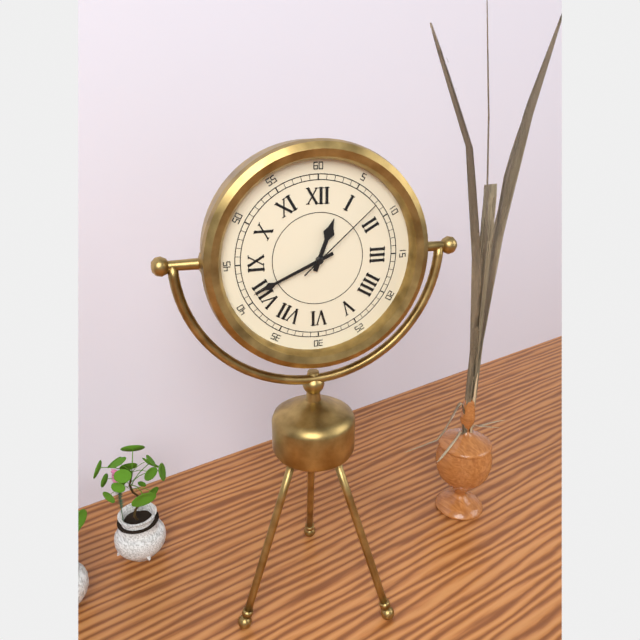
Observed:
{"hour": 12, "minute": 41, "second": 8}
